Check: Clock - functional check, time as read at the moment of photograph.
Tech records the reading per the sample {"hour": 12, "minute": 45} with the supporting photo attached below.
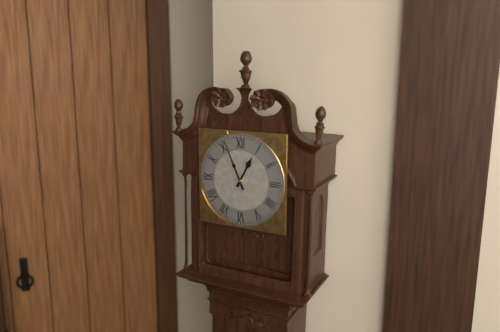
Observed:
{"hour": 12, "minute": 56}
